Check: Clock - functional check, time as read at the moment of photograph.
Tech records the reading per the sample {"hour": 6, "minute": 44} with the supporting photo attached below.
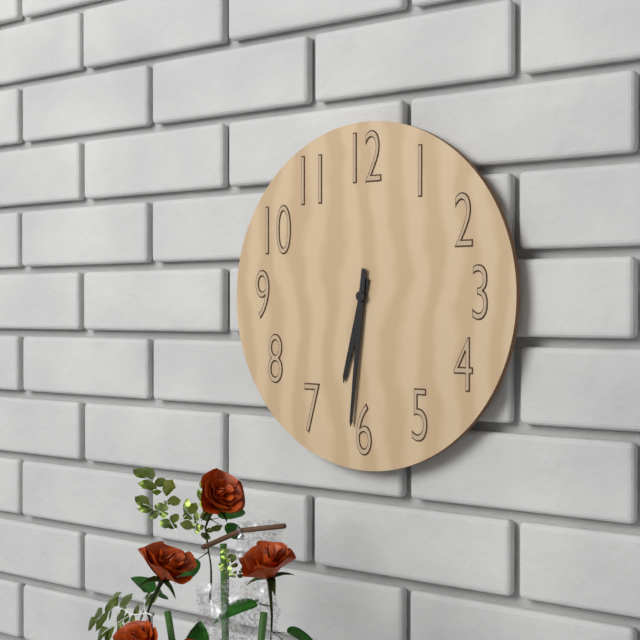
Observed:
{"hour": 6, "minute": 31}
